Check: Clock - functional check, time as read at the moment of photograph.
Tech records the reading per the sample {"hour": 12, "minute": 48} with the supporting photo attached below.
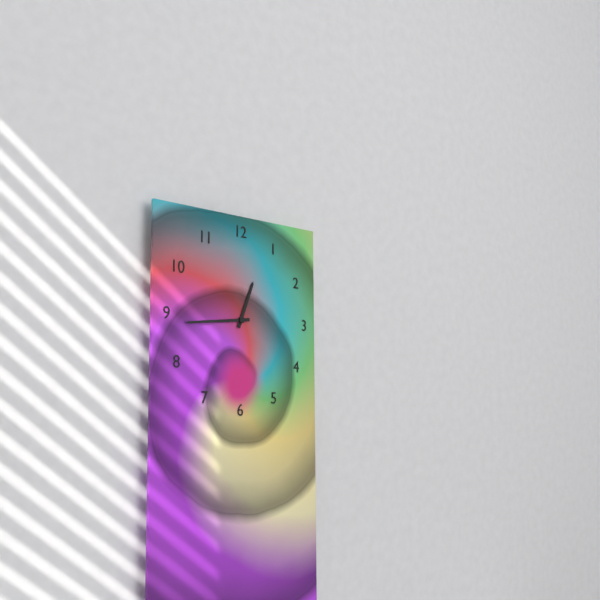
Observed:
{"hour": 12, "minute": 44}
